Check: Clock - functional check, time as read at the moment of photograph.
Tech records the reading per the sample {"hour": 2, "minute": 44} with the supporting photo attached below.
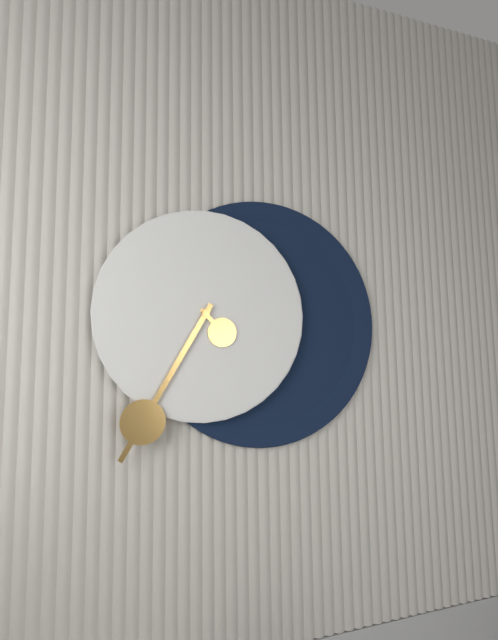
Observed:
{"hour": 4, "minute": 35}
